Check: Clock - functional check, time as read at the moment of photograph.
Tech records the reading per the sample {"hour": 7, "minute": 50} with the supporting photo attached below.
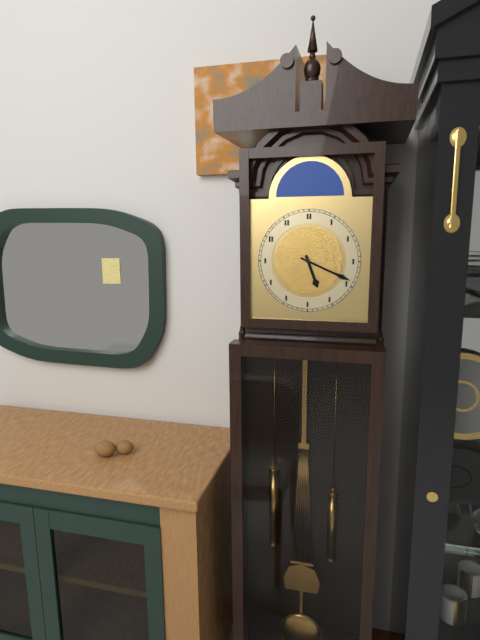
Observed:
{"hour": 5, "minute": 19}
